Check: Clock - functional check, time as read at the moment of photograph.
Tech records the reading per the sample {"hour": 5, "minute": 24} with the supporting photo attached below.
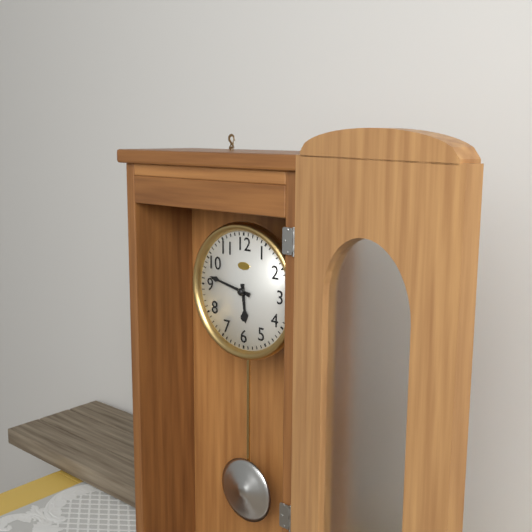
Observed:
{"hour": 5, "minute": 47}
